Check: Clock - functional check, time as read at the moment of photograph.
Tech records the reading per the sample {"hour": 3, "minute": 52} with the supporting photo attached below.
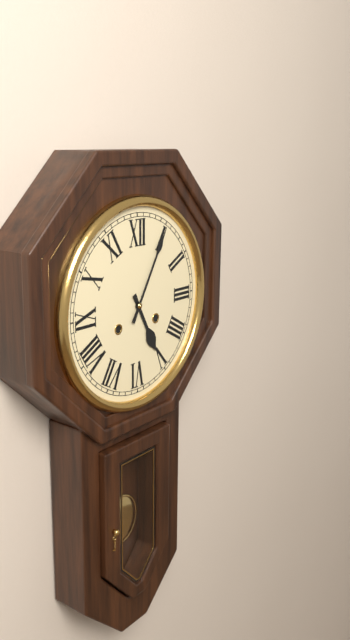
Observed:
{"hour": 5, "minute": 5}
